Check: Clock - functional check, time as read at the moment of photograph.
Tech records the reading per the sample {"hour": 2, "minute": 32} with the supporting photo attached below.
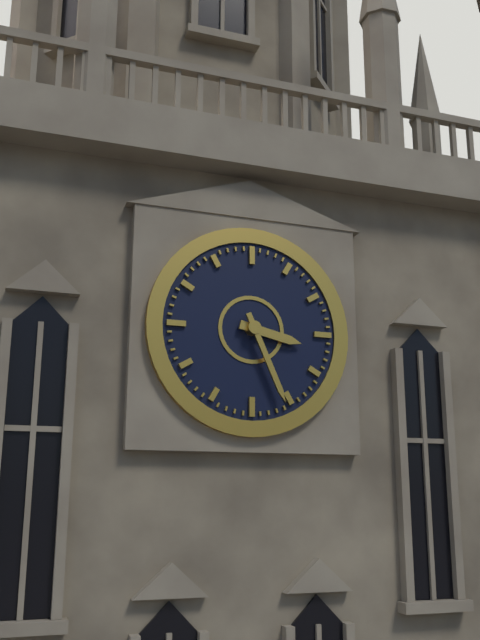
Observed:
{"hour": 3, "minute": 26}
